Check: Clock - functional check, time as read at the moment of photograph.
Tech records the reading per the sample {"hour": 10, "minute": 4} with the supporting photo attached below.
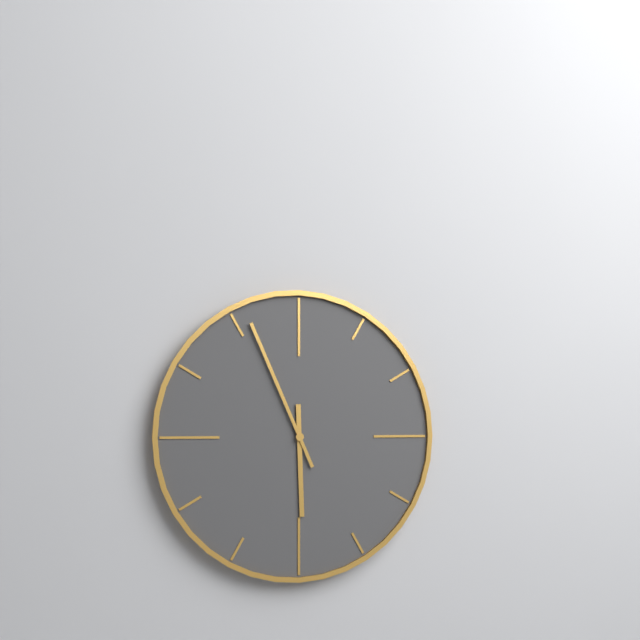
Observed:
{"hour": 5, "minute": 56}
